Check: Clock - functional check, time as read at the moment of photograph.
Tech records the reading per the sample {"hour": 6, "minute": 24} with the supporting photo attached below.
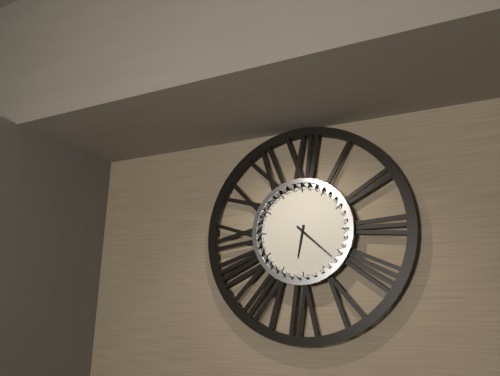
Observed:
{"hour": 6, "minute": 22}
